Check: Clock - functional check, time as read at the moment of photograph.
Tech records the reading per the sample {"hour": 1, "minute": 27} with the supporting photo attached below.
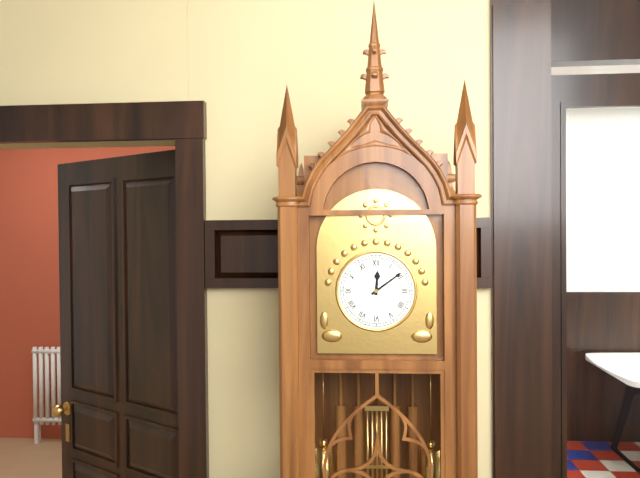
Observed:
{"hour": 12, "minute": 9}
